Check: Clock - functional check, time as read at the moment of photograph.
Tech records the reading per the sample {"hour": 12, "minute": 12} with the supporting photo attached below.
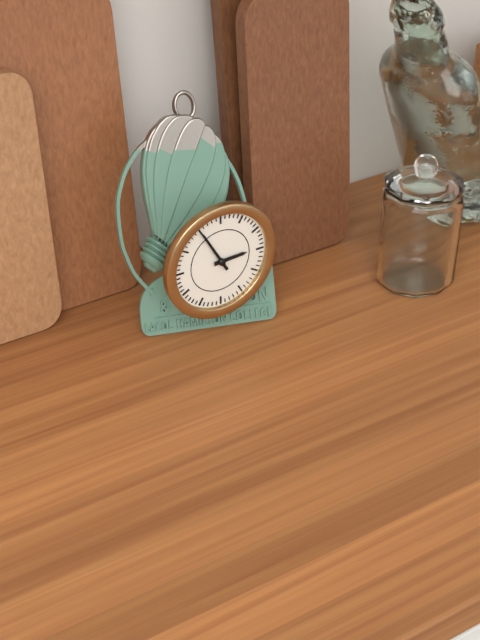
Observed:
{"hour": 2, "minute": 55}
